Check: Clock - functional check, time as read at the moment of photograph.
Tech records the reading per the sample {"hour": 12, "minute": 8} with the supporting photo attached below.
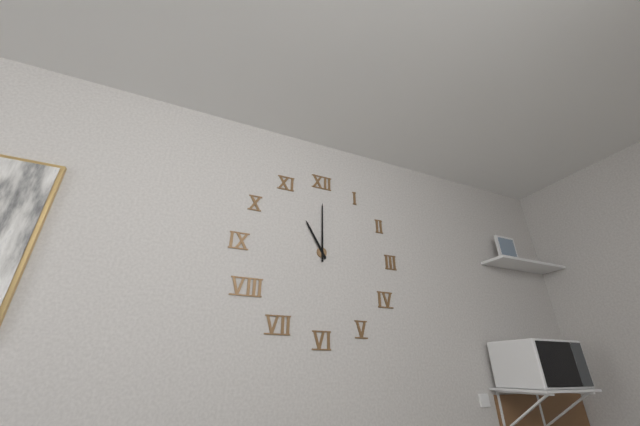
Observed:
{"hour": 11, "minute": 0}
